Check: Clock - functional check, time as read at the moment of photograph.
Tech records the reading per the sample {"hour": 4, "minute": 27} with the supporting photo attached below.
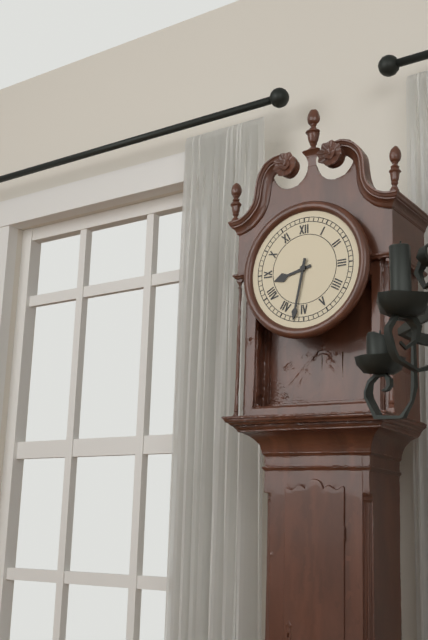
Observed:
{"hour": 8, "minute": 32}
